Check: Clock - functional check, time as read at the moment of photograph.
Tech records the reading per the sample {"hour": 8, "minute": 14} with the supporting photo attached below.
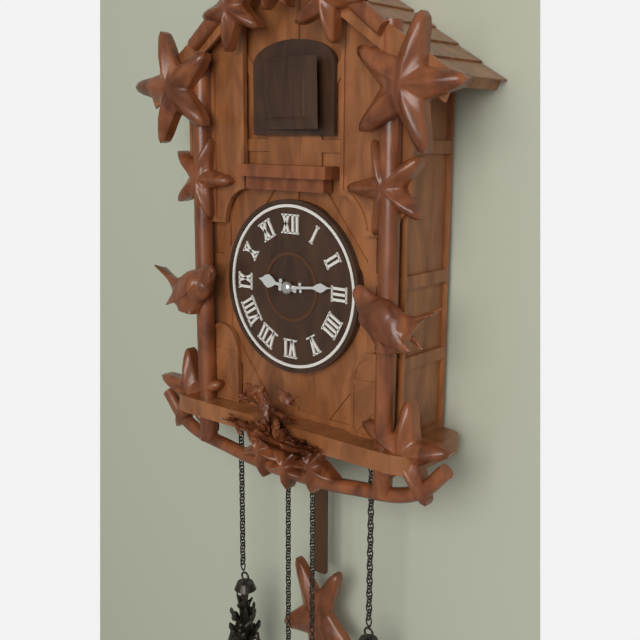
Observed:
{"hour": 9, "minute": 14}
